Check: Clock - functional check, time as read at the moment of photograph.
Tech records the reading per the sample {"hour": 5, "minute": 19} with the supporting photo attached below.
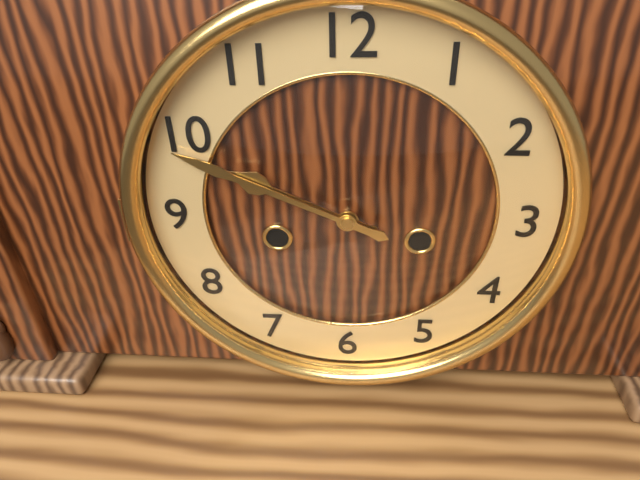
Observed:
{"hour": 9, "minute": 49}
